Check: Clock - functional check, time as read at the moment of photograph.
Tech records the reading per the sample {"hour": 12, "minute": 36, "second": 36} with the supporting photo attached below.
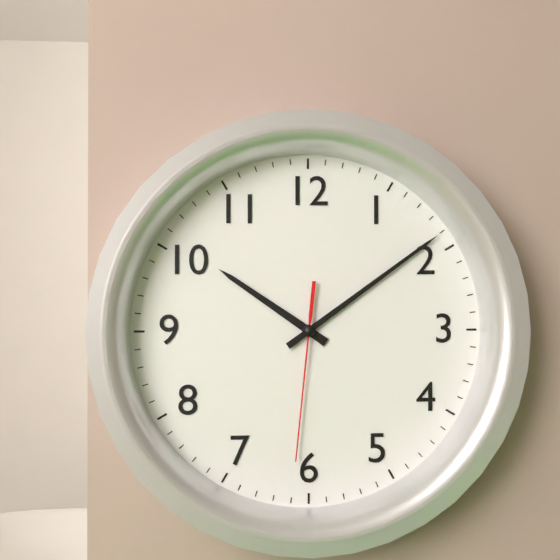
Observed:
{"hour": 10, "minute": 9, "second": 31}
